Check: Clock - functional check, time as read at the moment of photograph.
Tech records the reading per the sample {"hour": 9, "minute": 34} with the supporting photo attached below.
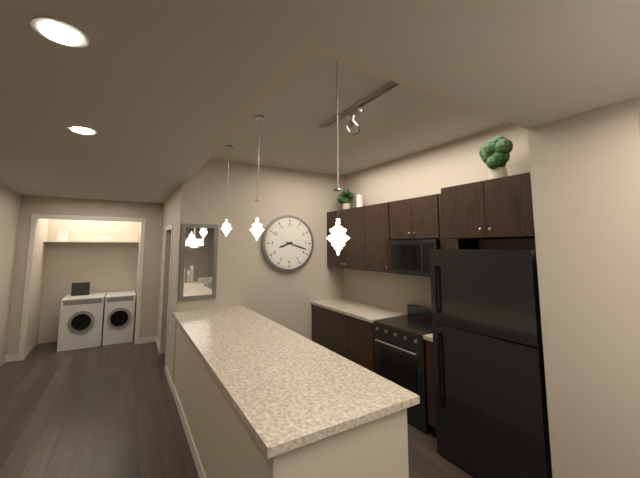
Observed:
{"hour": 8, "minute": 18}
